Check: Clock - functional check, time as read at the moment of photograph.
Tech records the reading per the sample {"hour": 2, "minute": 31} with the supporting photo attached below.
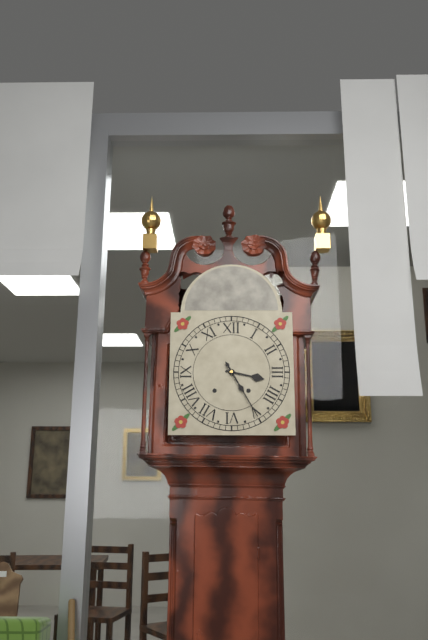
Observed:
{"hour": 3, "minute": 25}
